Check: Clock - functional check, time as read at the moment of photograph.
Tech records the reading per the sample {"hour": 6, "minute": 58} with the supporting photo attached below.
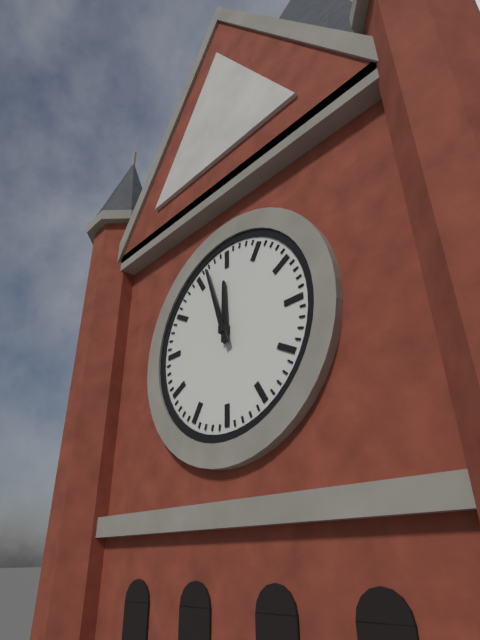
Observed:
{"hour": 11, "minute": 57}
